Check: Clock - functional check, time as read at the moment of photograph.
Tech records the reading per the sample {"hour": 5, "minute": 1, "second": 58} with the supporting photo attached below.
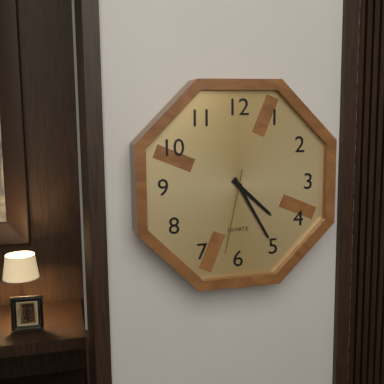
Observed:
{"hour": 4, "minute": 25, "second": 32}
